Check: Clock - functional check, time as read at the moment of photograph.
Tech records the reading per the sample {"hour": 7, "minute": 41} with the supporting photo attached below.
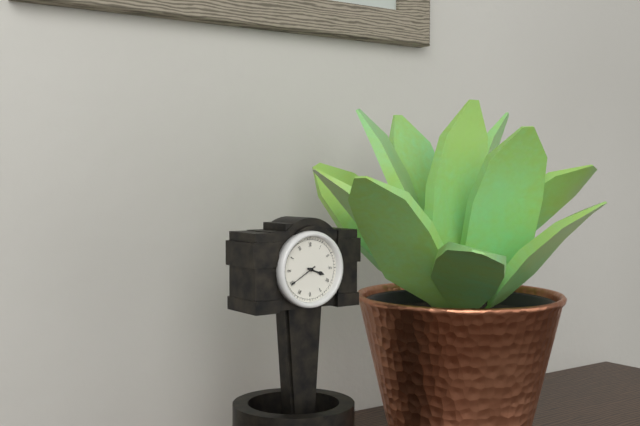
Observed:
{"hour": 3, "minute": 40}
